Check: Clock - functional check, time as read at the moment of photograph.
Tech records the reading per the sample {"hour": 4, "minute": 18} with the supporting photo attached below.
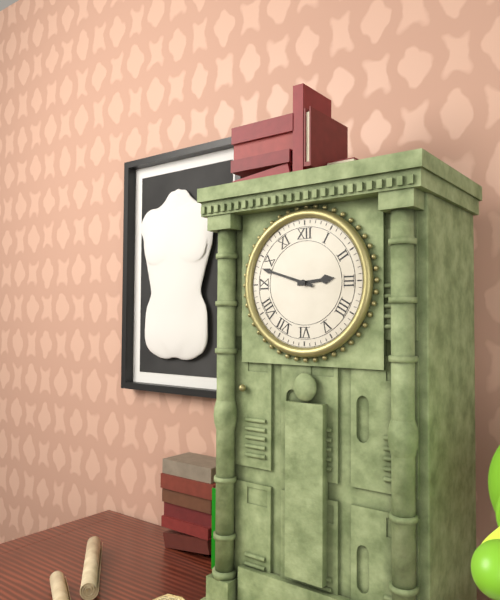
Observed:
{"hour": 2, "minute": 48}
